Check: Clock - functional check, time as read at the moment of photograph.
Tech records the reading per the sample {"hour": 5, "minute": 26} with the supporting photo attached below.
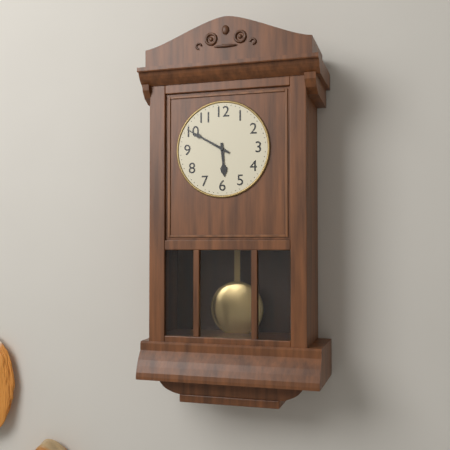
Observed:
{"hour": 5, "minute": 50}
